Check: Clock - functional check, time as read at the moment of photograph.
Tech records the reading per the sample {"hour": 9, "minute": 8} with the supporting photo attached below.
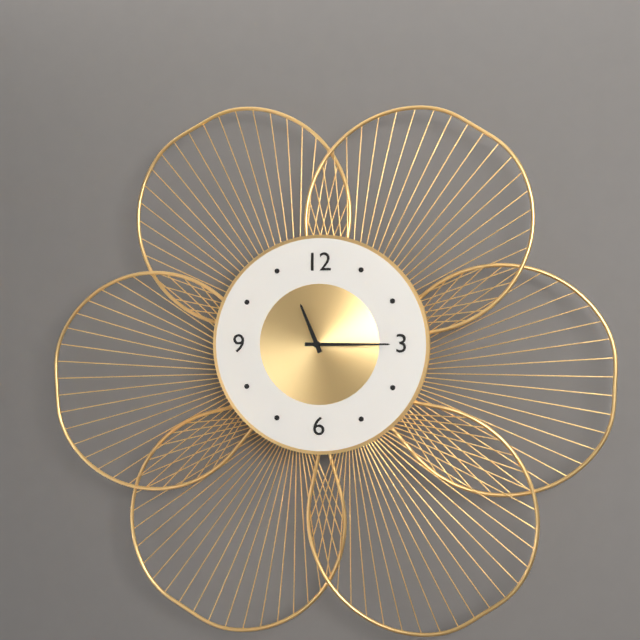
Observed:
{"hour": 11, "minute": 15}
